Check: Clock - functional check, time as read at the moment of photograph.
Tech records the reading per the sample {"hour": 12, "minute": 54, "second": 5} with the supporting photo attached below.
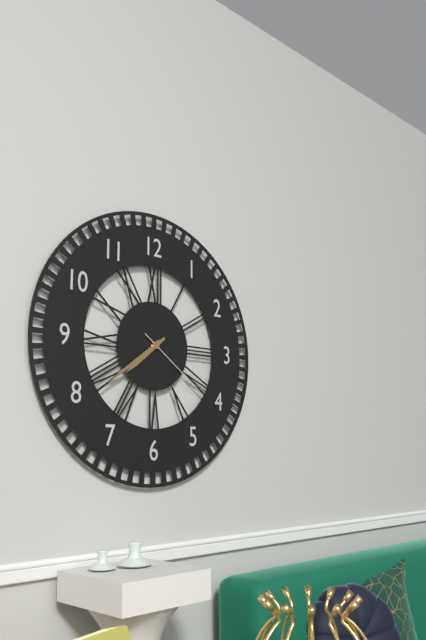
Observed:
{"hour": 7, "minute": 39, "second": 21}
